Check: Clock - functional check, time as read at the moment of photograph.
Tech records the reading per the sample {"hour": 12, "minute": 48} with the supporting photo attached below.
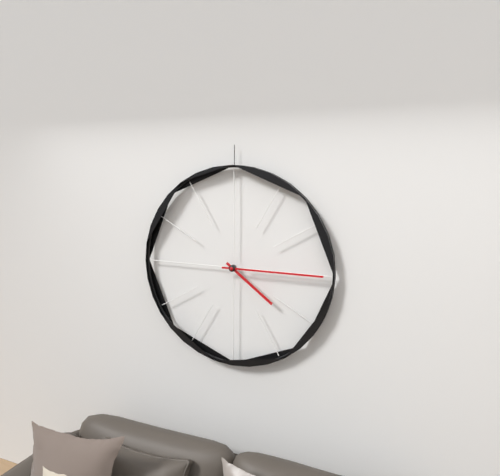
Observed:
{"hour": 4, "minute": 15}
